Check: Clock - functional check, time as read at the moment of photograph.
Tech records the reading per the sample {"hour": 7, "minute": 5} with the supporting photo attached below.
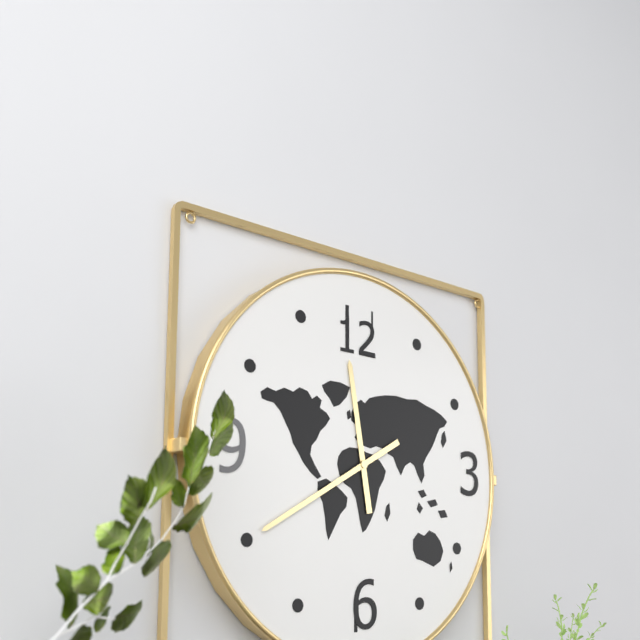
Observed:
{"hour": 11, "minute": 40}
